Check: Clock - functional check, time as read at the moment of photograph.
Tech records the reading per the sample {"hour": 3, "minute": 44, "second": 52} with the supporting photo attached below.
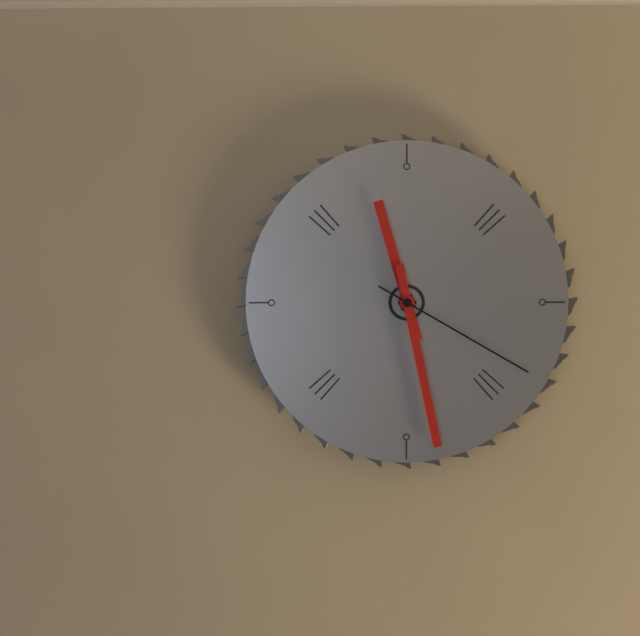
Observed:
{"hour": 11, "minute": 28, "second": 20}
